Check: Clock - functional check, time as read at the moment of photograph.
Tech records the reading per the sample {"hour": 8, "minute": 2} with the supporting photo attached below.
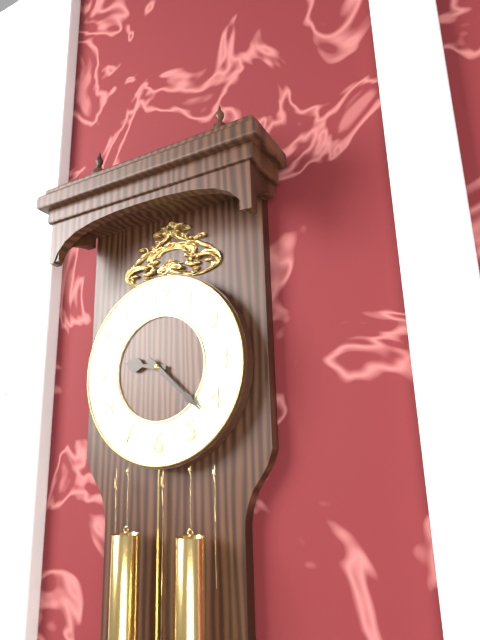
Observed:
{"hour": 9, "minute": 22}
